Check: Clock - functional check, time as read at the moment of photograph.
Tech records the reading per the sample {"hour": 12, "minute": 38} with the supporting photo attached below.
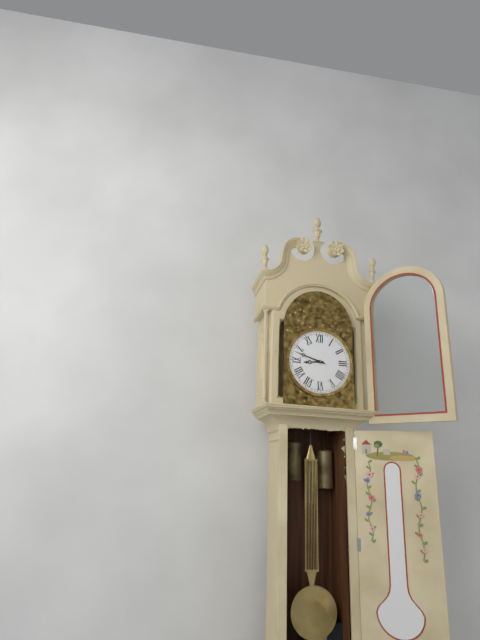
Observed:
{"hour": 8, "minute": 48}
